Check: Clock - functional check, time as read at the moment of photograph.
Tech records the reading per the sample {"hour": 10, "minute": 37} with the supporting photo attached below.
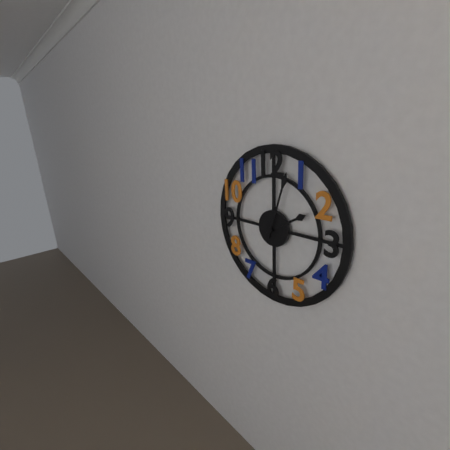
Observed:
{"hour": 2, "minute": 3}
